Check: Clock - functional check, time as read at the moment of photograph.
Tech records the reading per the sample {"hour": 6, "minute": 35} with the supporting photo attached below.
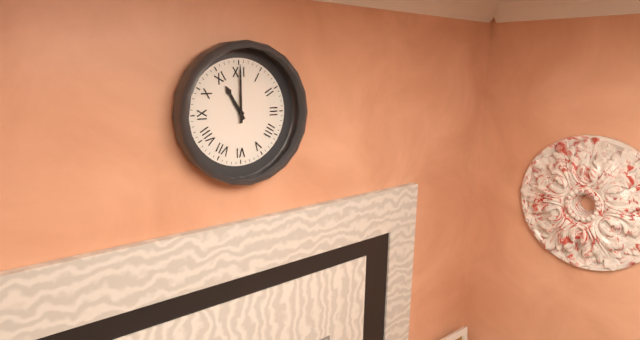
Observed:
{"hour": 11, "minute": 0}
